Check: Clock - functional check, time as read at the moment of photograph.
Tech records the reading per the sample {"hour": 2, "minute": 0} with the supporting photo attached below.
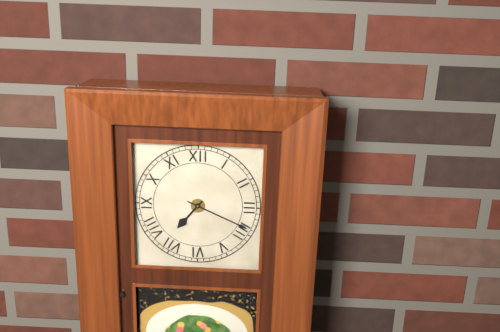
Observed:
{"hour": 7, "minute": 19}
